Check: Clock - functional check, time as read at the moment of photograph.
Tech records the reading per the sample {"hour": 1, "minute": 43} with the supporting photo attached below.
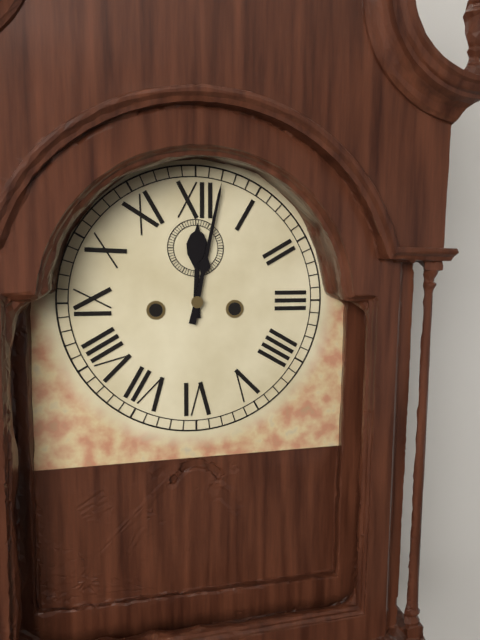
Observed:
{"hour": 12, "minute": 2}
